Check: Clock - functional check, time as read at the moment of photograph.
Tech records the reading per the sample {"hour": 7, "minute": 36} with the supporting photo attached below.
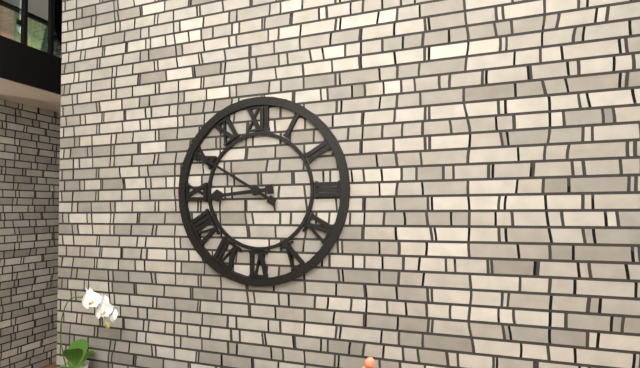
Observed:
{"hour": 8, "minute": 50}
